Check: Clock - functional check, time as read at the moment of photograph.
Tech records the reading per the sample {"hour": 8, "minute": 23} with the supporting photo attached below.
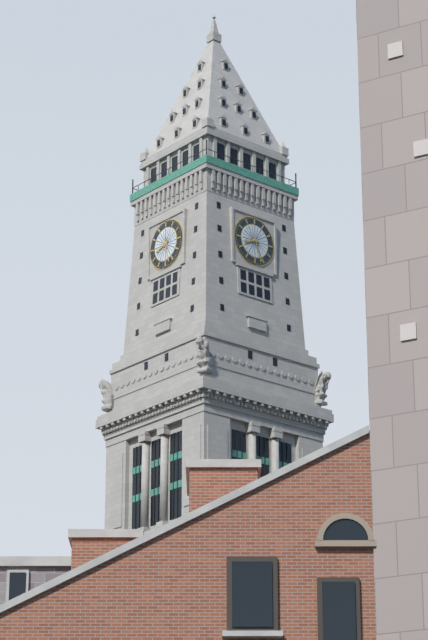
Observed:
{"hour": 8, "minute": 27}
